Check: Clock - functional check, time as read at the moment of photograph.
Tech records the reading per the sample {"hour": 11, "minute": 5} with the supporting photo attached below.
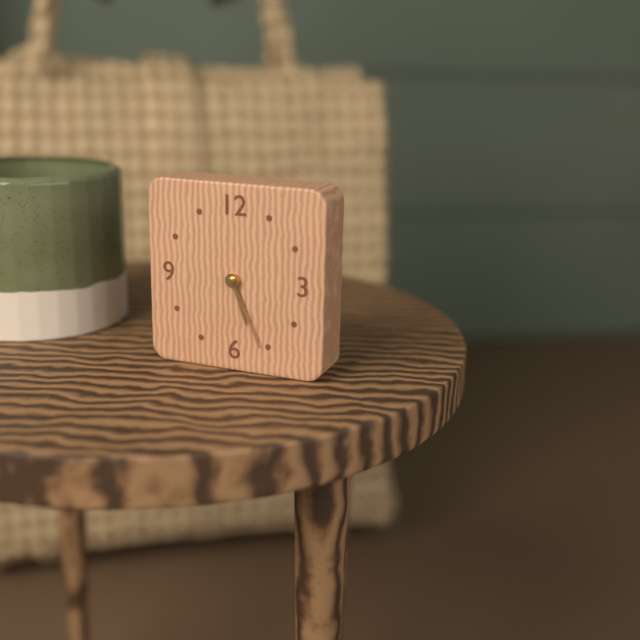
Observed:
{"hour": 5, "minute": 26}
